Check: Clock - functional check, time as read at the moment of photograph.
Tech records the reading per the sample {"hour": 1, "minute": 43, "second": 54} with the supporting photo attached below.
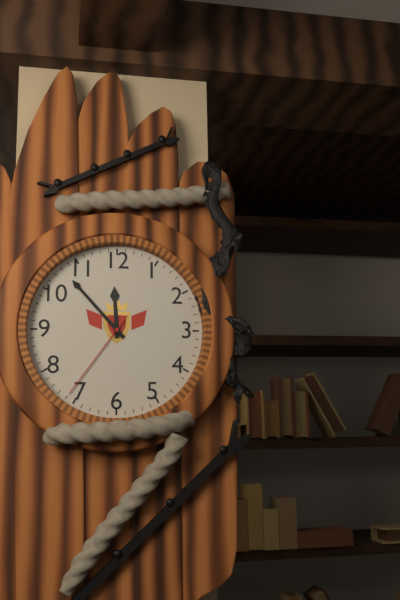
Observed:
{"hour": 11, "minute": 53, "second": 36}
